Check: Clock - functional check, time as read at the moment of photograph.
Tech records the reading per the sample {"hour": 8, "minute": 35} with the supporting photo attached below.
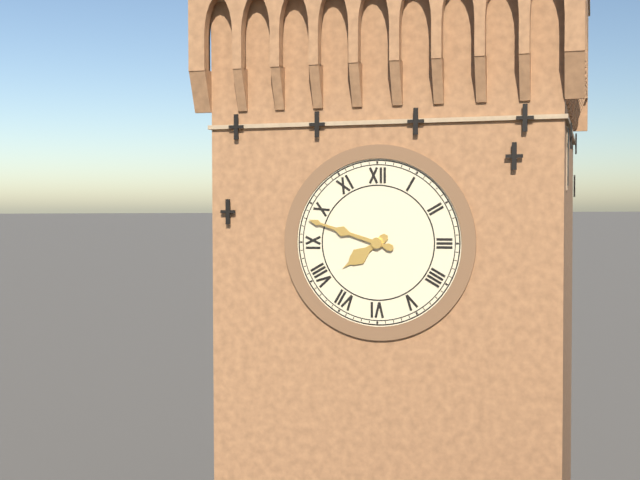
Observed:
{"hour": 7, "minute": 48}
